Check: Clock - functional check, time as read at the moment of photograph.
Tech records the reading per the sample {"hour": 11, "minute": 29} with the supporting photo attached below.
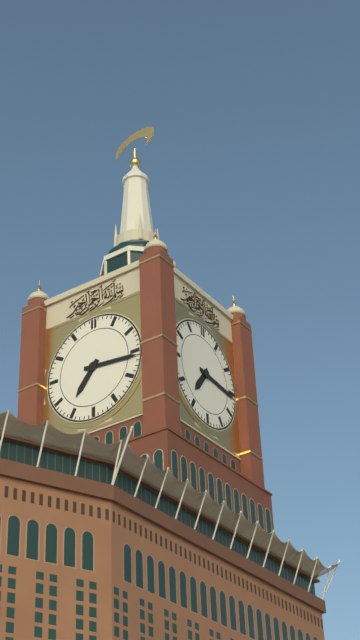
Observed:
{"hour": 7, "minute": 16}
